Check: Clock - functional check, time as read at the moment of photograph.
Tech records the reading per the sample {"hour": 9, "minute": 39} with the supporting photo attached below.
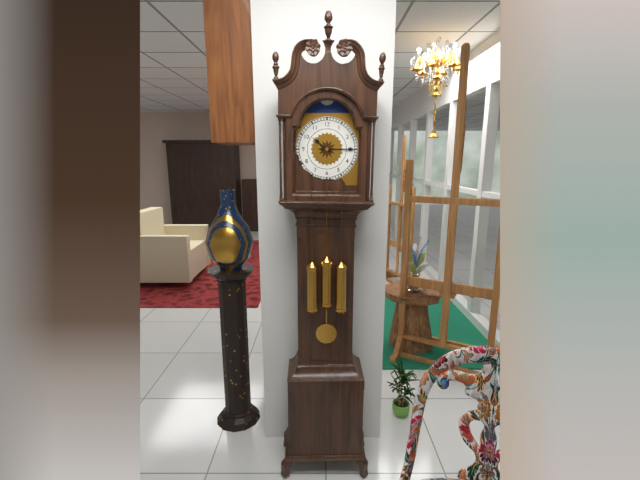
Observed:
{"hour": 10, "minute": 15}
